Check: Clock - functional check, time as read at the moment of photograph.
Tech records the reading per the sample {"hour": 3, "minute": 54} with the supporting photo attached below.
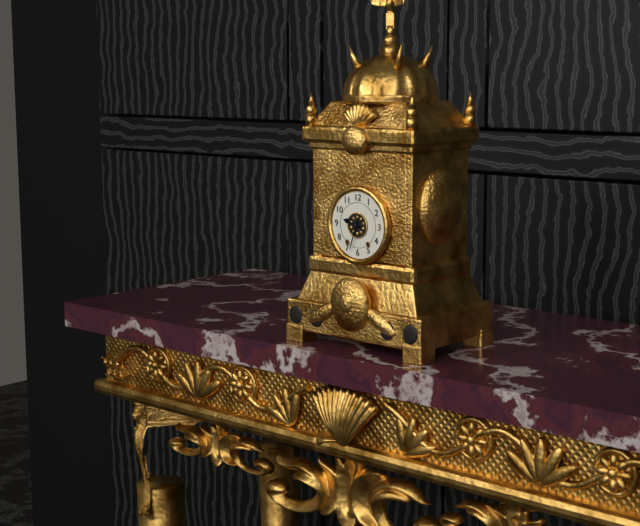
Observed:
{"hour": 9, "minute": 33}
